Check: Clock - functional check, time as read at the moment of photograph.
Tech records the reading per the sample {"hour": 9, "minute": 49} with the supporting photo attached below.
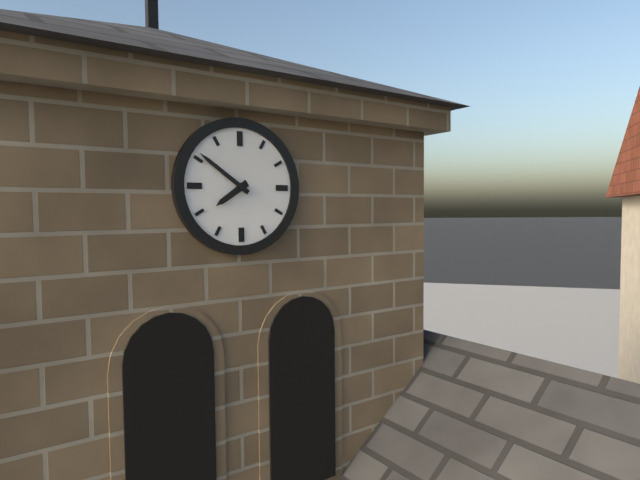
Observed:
{"hour": 7, "minute": 51}
